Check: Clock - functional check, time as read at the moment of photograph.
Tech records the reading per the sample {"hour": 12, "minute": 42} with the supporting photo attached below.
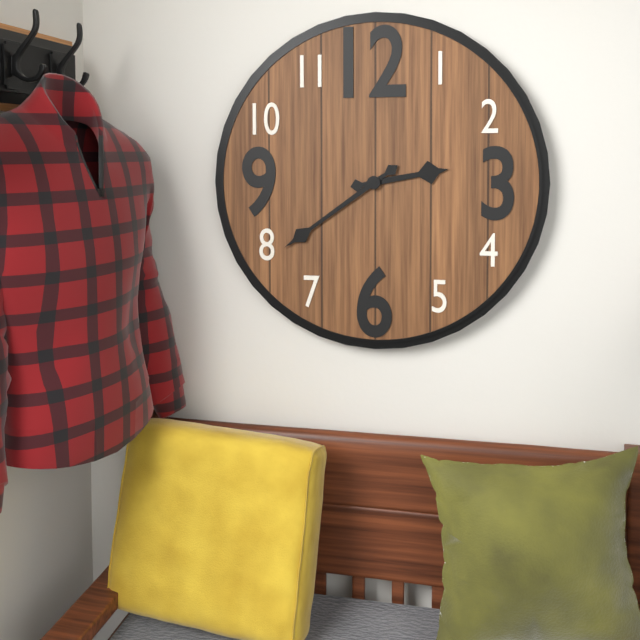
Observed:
{"hour": 2, "minute": 39}
